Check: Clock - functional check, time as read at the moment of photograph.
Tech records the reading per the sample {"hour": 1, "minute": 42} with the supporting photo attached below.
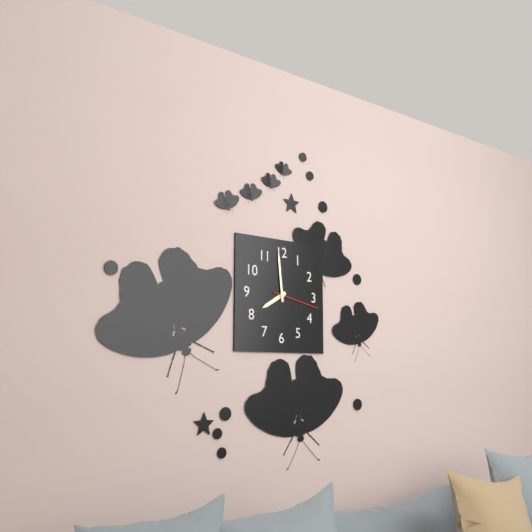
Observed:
{"hour": 7, "minute": 59}
